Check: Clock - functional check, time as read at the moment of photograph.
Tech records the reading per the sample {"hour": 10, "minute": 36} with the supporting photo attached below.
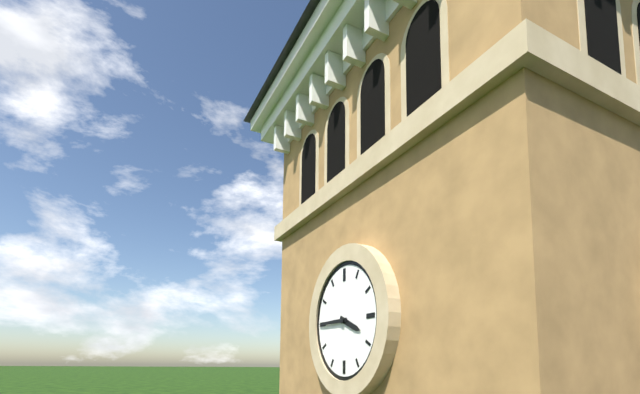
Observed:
{"hour": 3, "minute": 45}
